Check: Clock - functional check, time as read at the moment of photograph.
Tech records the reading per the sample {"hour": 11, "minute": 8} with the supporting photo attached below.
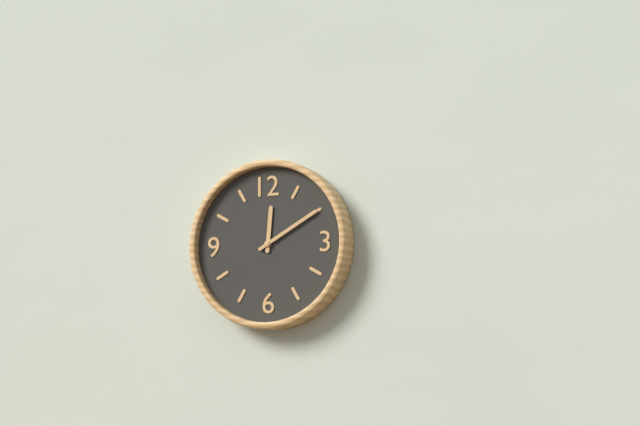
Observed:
{"hour": 12, "minute": 10}
